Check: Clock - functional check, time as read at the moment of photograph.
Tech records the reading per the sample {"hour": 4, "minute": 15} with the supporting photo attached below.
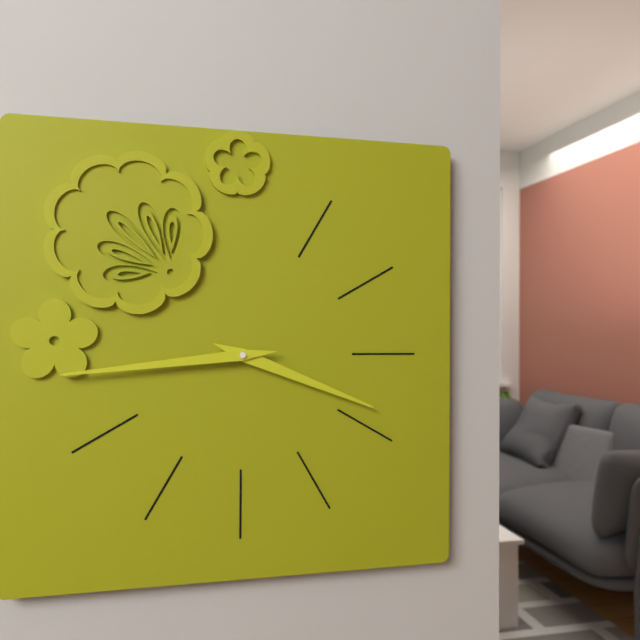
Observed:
{"hour": 3, "minute": 44}
